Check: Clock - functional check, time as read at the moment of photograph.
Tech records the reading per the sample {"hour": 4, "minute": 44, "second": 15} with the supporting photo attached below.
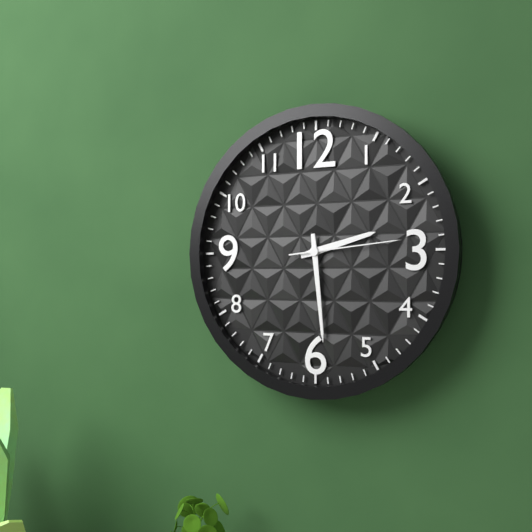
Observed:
{"hour": 2, "minute": 29, "second": 14}
